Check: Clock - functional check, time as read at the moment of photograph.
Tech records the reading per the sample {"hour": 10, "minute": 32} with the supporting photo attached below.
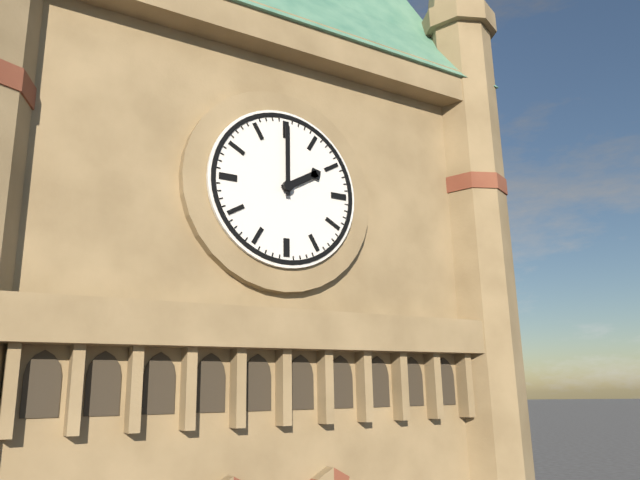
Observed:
{"hour": 2, "minute": 0}
